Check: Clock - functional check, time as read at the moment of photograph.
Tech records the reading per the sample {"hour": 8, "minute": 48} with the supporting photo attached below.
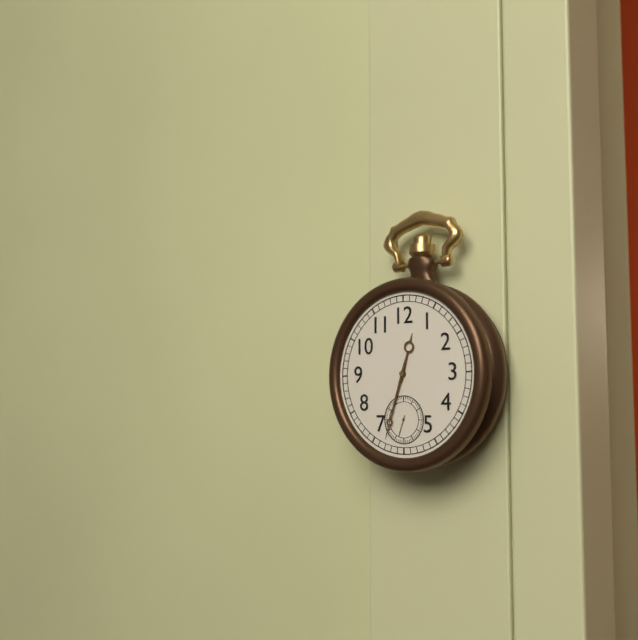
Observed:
{"hour": 12, "minute": 33}
